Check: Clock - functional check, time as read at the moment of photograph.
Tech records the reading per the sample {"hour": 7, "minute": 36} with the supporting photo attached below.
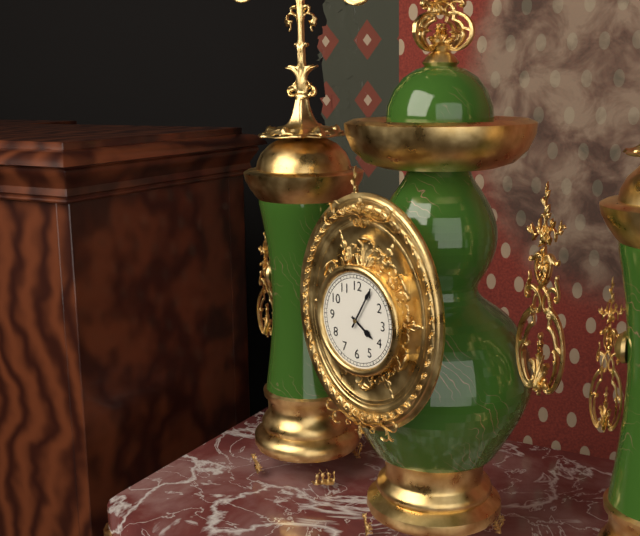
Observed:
{"hour": 4, "minute": 5}
